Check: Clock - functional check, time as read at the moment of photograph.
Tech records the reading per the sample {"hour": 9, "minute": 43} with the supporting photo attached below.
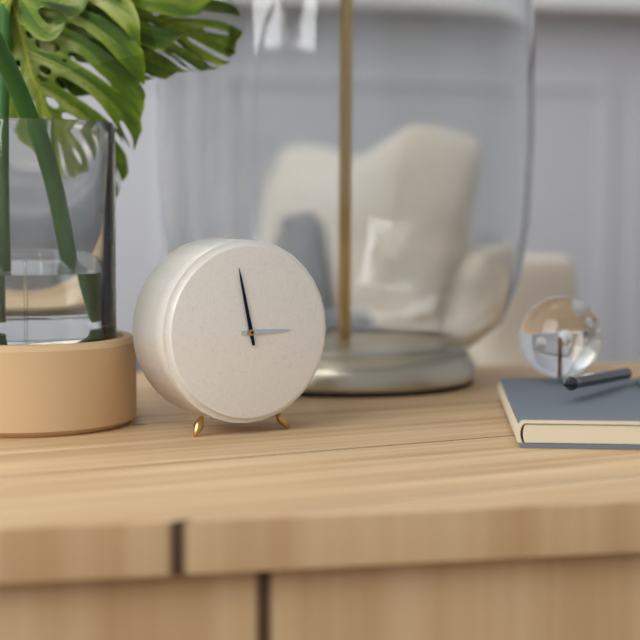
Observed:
{"hour": 2, "minute": 58}
